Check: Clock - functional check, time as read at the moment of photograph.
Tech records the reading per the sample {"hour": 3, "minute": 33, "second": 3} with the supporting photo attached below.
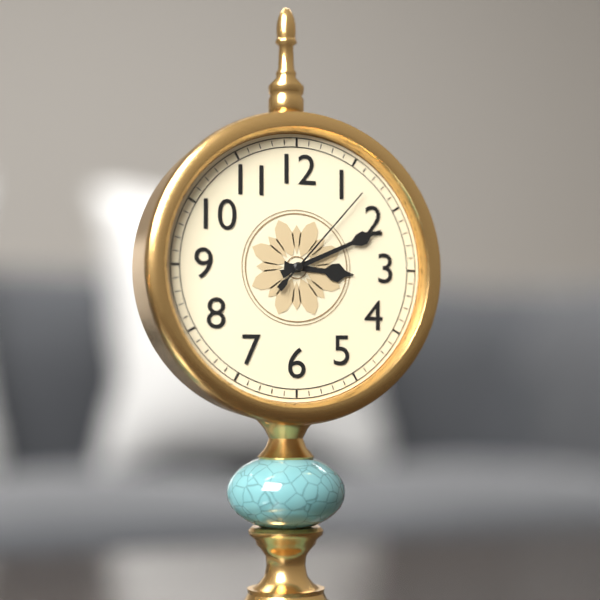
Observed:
{"hour": 3, "minute": 11, "second": 7}
